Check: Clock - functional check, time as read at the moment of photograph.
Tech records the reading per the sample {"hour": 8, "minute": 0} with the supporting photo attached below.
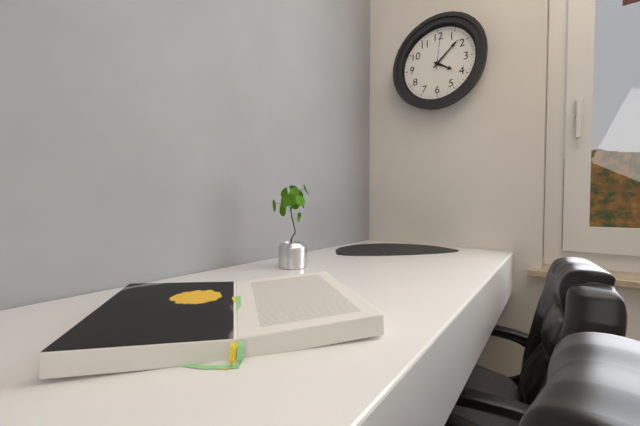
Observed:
{"hour": 4, "minute": 8}
